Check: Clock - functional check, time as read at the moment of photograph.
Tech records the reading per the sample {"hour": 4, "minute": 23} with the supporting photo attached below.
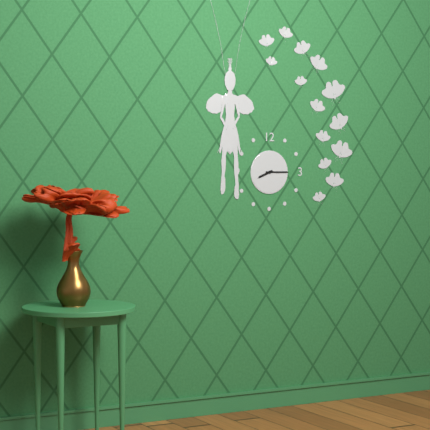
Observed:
{"hour": 8, "minute": 15}
